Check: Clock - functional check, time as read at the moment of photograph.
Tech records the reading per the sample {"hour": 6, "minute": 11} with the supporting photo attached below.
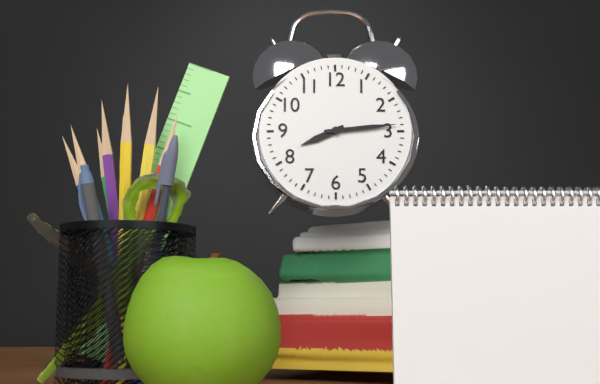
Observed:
{"hour": 8, "minute": 14}
